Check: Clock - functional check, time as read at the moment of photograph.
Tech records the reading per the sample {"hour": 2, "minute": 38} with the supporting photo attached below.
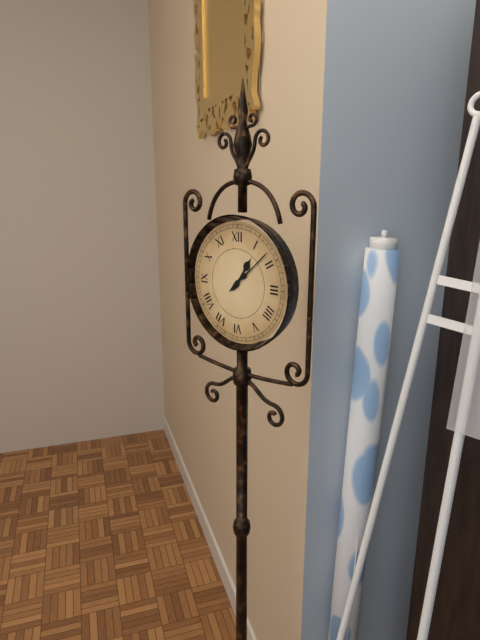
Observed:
{"hour": 1, "minute": 8}
